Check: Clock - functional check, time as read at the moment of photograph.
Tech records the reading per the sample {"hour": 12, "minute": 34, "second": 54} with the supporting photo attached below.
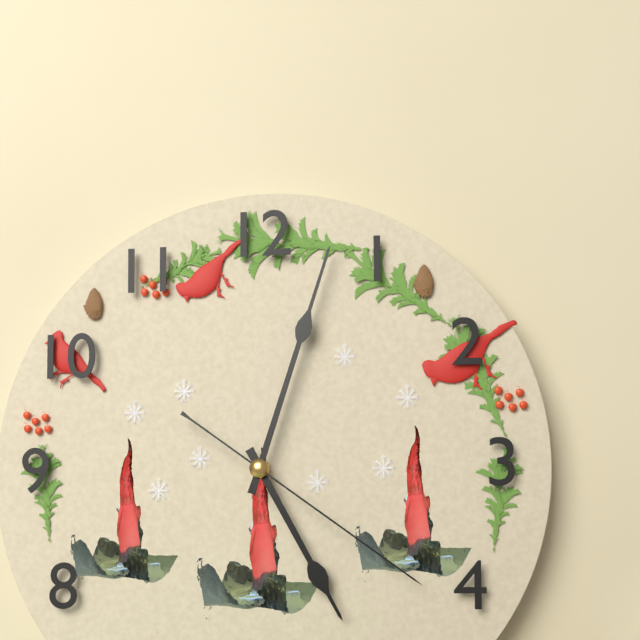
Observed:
{"hour": 5, "minute": 3, "second": 21}
